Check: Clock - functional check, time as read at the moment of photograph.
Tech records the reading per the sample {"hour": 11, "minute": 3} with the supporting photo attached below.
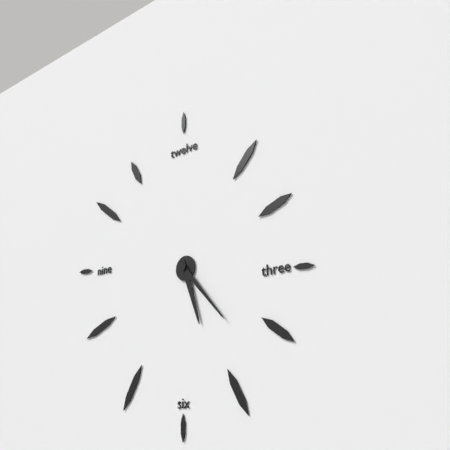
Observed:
{"hour": 5, "minute": 23}
